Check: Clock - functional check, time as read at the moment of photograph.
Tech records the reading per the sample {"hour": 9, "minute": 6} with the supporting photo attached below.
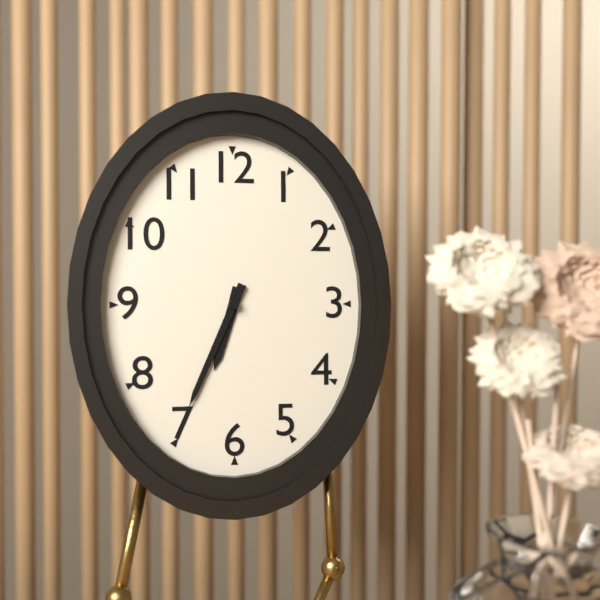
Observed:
{"hour": 6, "minute": 34}
